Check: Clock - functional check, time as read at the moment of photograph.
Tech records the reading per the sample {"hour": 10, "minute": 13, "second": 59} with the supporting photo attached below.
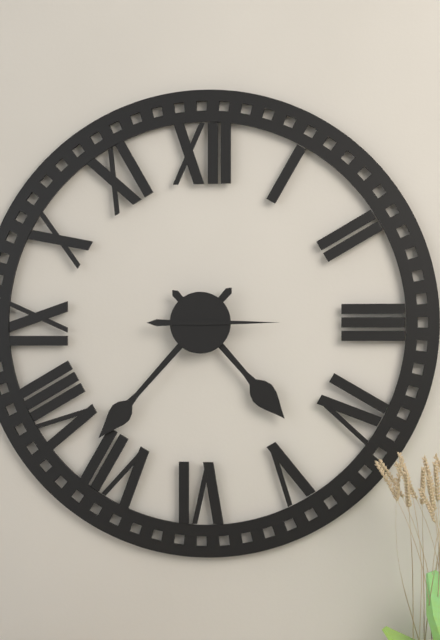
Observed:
{"hour": 4, "minute": 37, "second": 15}
